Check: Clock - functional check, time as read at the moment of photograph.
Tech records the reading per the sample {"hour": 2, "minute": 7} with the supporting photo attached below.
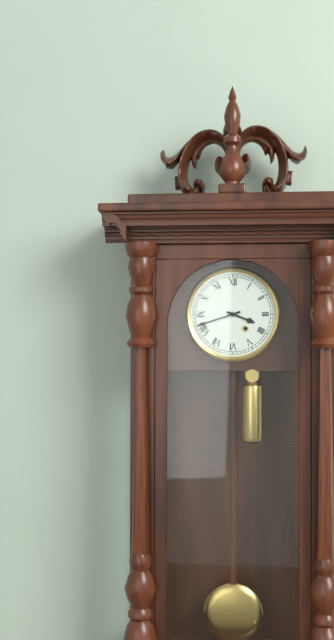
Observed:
{"hour": 3, "minute": 42}
